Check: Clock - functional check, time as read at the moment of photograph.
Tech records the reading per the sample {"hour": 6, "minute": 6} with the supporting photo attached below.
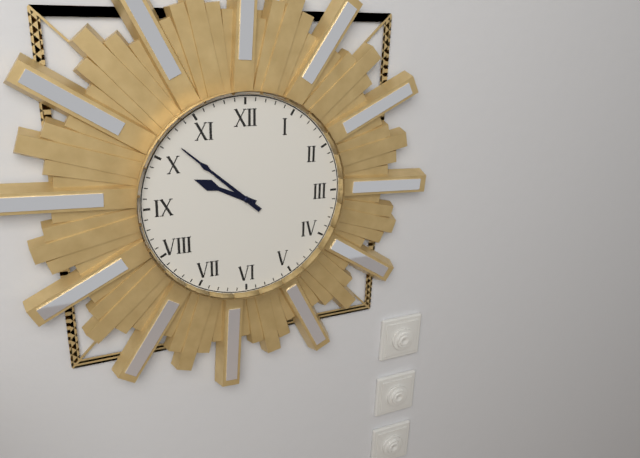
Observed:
{"hour": 9, "minute": 52}
